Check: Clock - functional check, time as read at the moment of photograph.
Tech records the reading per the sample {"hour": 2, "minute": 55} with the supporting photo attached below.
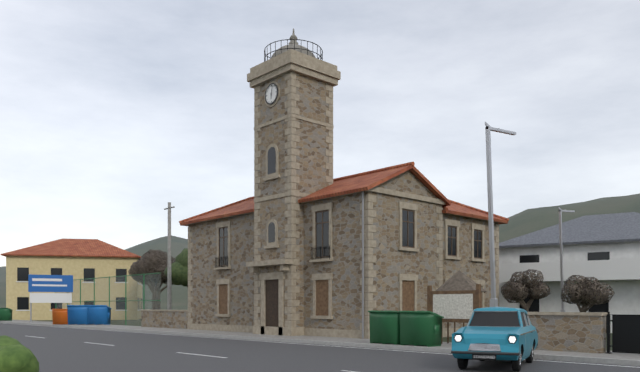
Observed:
{"hour": 6, "minute": 3}
